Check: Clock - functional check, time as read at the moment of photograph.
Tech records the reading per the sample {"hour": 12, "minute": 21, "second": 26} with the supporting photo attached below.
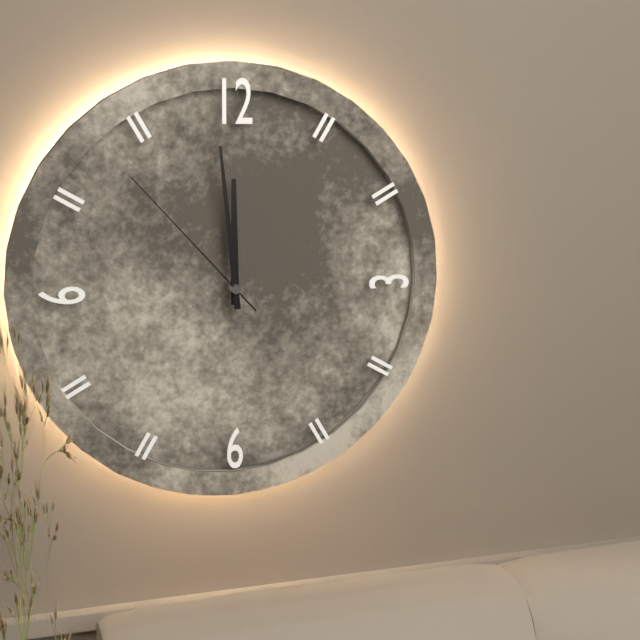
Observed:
{"hour": 11, "minute": 59, "second": 53}
